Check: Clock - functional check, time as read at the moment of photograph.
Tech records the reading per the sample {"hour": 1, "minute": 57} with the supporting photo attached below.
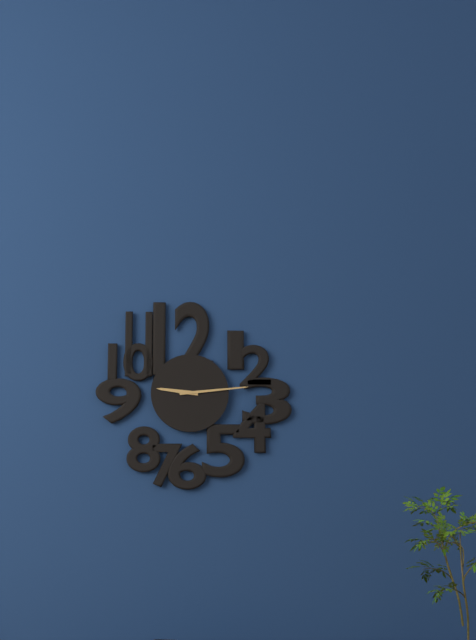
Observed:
{"hour": 9, "minute": 14}
